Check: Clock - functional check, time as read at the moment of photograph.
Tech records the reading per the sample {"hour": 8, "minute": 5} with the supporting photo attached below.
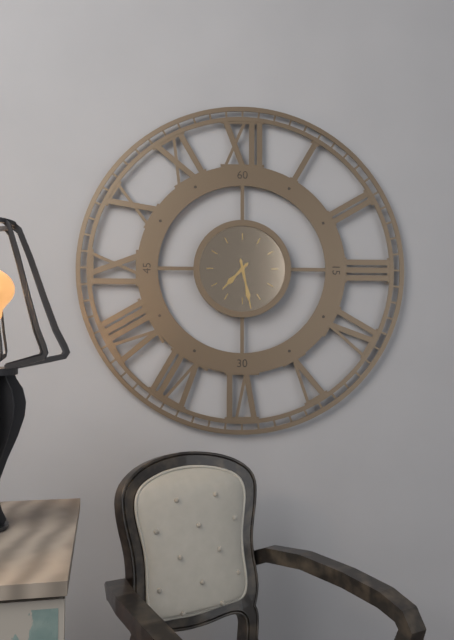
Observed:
{"hour": 7, "minute": 28}
